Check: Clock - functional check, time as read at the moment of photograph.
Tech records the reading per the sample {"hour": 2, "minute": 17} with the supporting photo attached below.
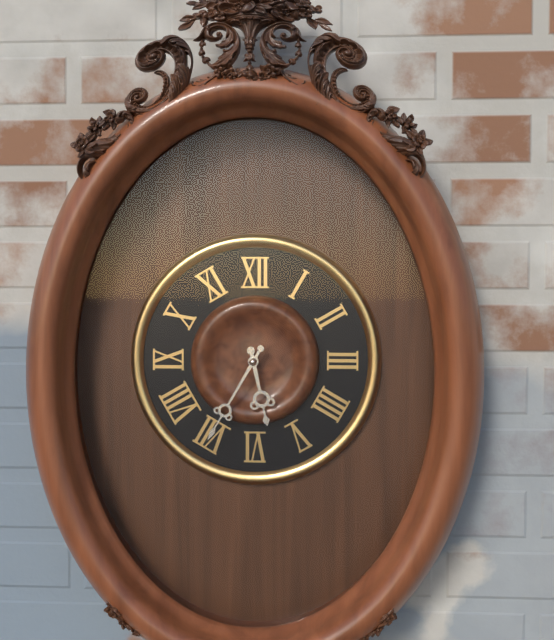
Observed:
{"hour": 5, "minute": 35}
